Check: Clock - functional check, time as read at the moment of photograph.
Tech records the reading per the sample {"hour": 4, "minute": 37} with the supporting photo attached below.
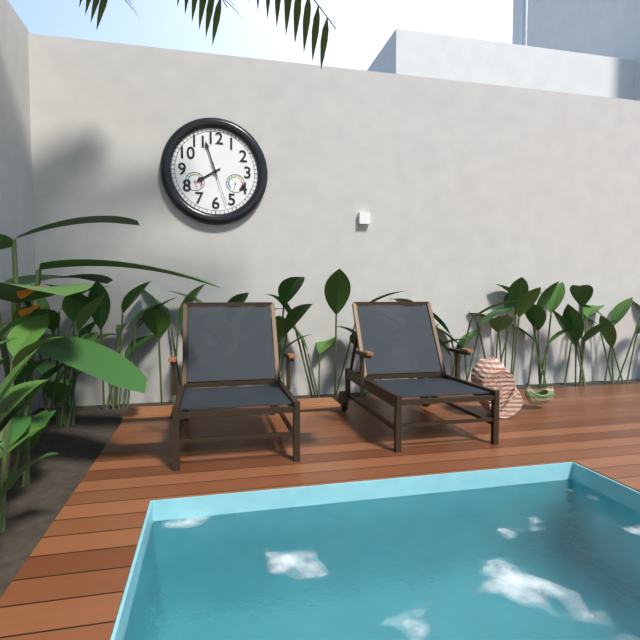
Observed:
{"hour": 7, "minute": 57}
